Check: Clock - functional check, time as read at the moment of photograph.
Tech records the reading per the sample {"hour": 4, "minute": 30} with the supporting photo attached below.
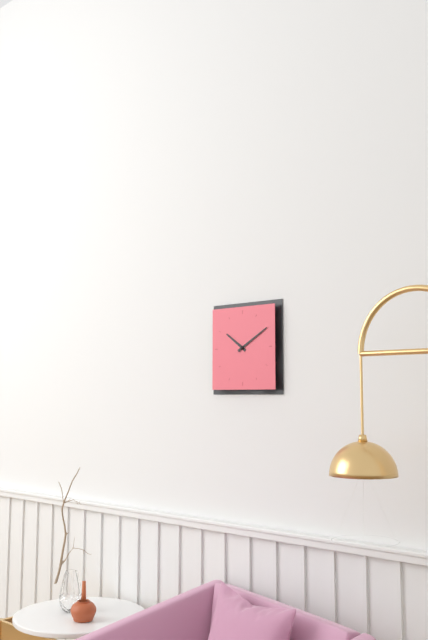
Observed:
{"hour": 10, "minute": 10}
